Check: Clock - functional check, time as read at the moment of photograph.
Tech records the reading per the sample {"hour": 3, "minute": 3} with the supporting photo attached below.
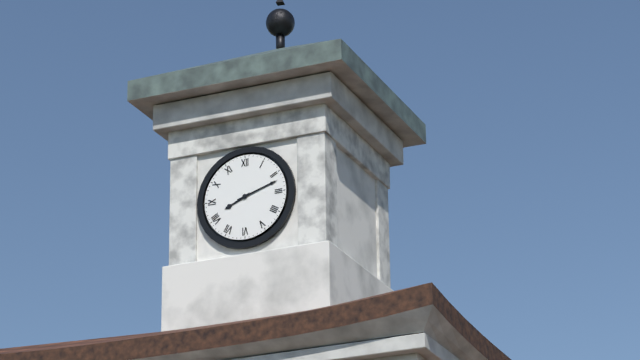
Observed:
{"hour": 8, "minute": 12}
